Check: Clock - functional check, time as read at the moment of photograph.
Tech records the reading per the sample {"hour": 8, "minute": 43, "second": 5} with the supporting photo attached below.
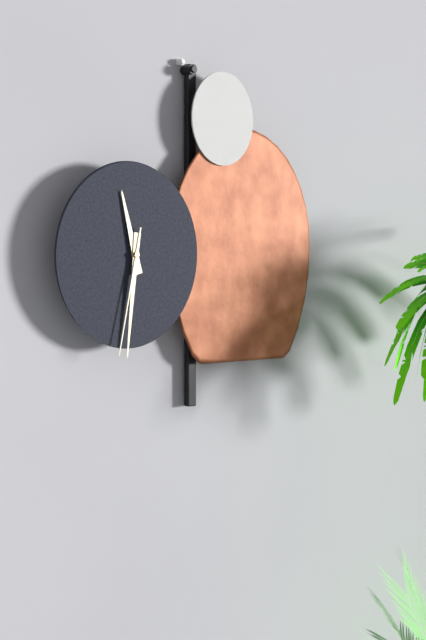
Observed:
{"hour": 11, "minute": 31, "second": 32}
